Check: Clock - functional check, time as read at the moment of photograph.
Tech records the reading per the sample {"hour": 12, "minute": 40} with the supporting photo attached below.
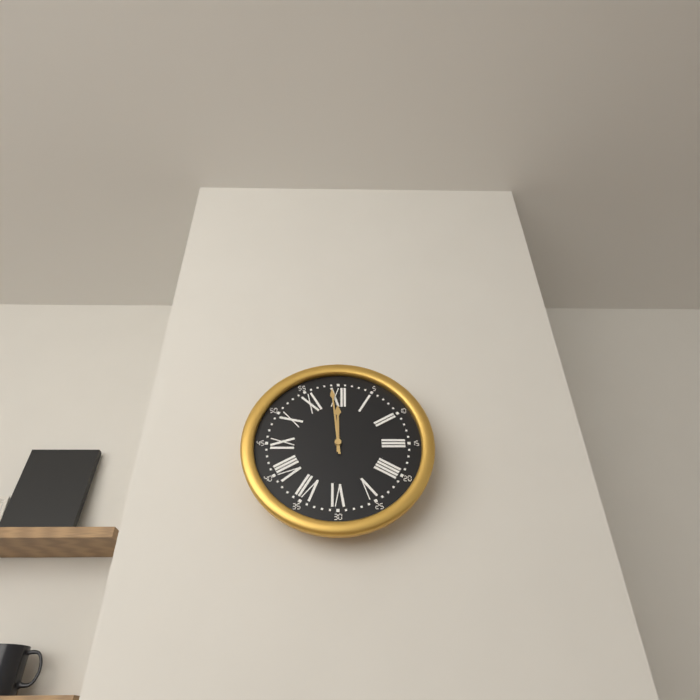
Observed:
{"hour": 11, "minute": 59}
